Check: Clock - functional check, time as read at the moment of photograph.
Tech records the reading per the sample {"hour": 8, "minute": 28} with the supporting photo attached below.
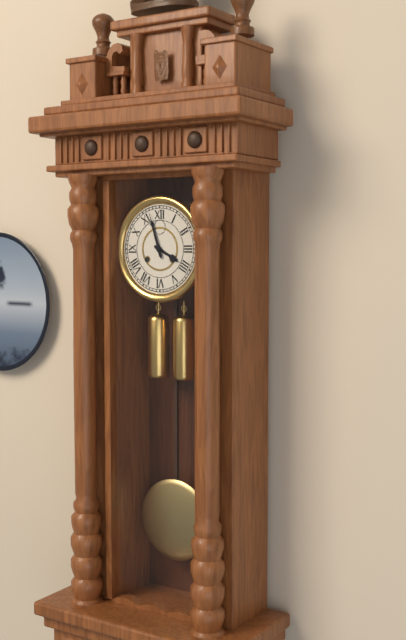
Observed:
{"hour": 3, "minute": 57}
